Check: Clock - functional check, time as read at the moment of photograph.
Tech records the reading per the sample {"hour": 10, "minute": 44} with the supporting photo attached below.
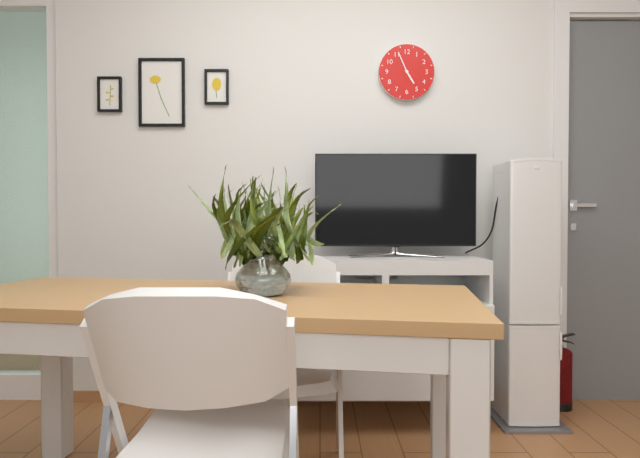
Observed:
{"hour": 4, "minute": 56}
